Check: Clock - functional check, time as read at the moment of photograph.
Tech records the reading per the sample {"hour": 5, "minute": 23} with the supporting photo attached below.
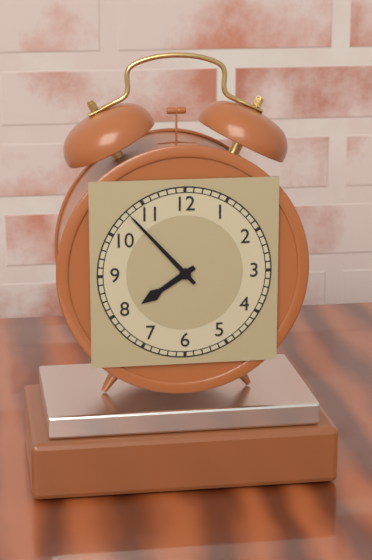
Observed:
{"hour": 7, "minute": 53}
